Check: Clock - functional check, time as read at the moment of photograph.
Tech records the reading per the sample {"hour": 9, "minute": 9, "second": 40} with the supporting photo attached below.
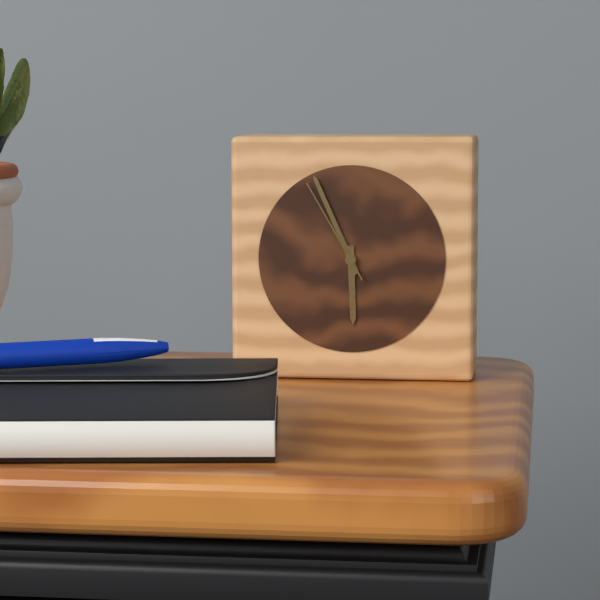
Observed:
{"hour": 5, "minute": 56, "second": 55}
